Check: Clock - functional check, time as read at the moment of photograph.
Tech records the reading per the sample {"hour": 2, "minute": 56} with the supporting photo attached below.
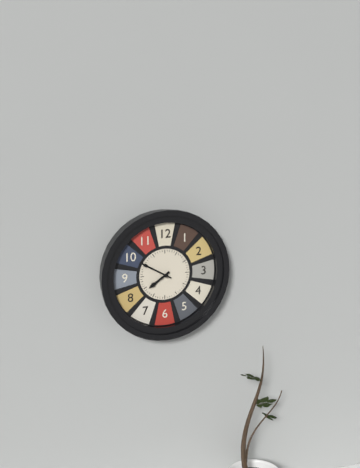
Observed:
{"hour": 7, "minute": 50}
